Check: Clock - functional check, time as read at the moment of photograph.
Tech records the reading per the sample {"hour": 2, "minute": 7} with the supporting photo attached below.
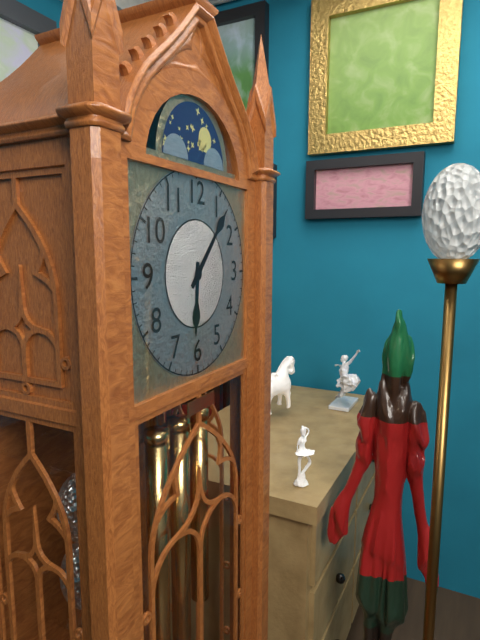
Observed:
{"hour": 6, "minute": 7}
